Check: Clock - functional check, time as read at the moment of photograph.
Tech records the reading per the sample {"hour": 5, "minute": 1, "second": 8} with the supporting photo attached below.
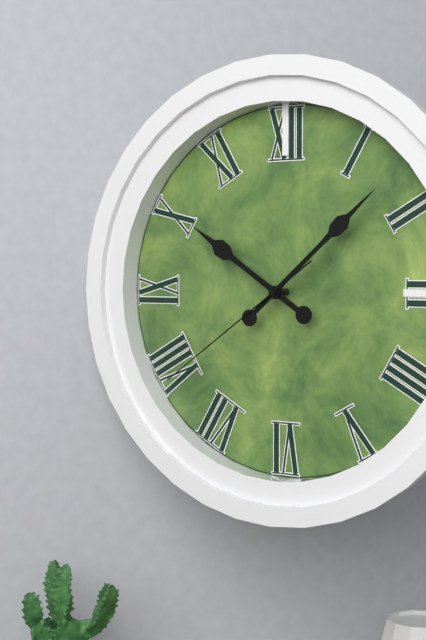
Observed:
{"hour": 10, "minute": 8, "second": 39}
